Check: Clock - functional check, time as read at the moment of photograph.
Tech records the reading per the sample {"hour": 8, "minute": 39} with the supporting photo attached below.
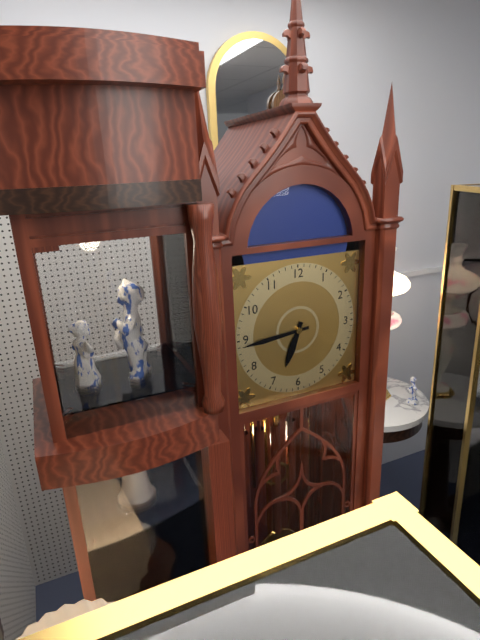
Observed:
{"hour": 6, "minute": 44}
